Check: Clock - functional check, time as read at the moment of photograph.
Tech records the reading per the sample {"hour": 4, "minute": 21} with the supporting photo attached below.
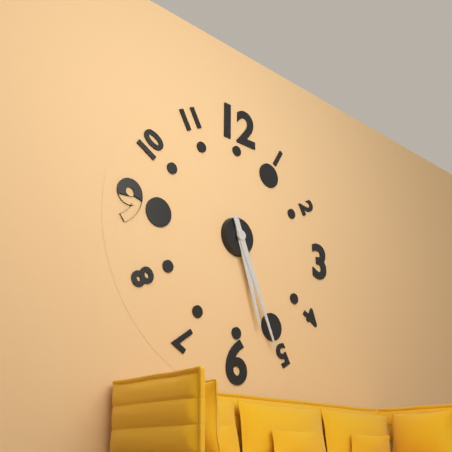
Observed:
{"hour": 5, "minute": 26}
